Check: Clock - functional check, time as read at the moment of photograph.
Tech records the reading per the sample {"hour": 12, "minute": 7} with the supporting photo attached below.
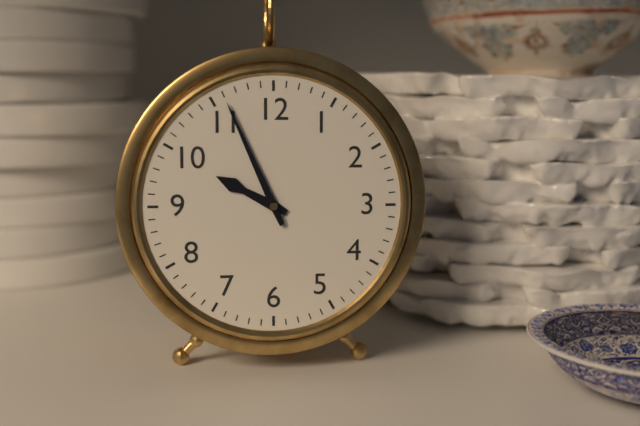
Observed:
{"hour": 9, "minute": 56}
